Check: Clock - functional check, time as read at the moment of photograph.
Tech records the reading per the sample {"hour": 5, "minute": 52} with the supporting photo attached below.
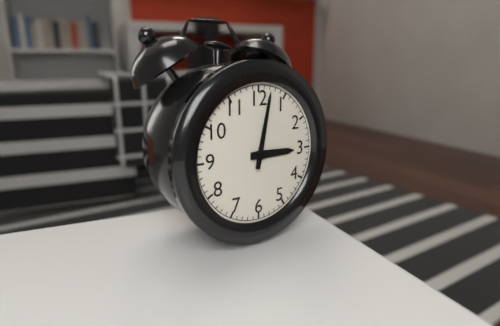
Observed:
{"hour": 3, "minute": 2}
